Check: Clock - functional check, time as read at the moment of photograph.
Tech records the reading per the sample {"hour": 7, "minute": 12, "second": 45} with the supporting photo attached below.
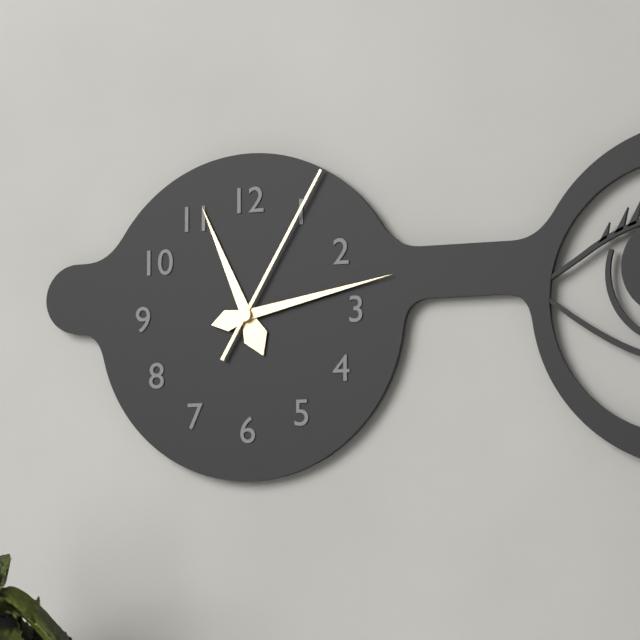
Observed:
{"hour": 11, "minute": 13, "second": 5}
